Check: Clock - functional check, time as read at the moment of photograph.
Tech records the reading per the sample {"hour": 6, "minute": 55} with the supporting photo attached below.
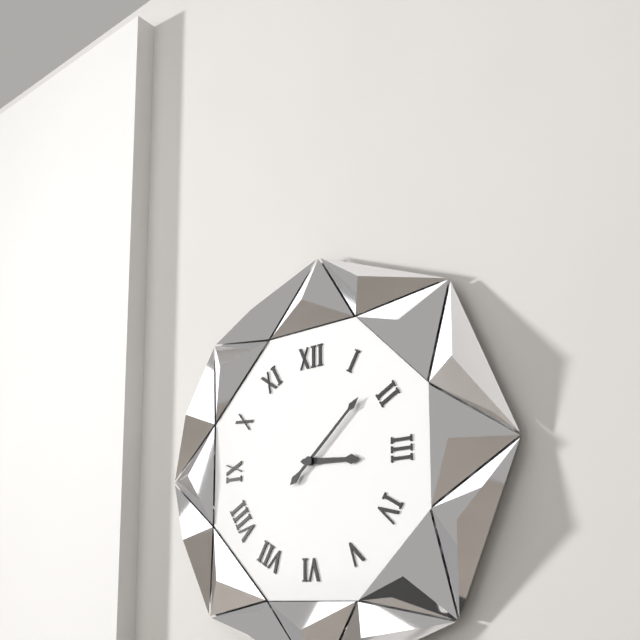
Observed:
{"hour": 3, "minute": 8}
